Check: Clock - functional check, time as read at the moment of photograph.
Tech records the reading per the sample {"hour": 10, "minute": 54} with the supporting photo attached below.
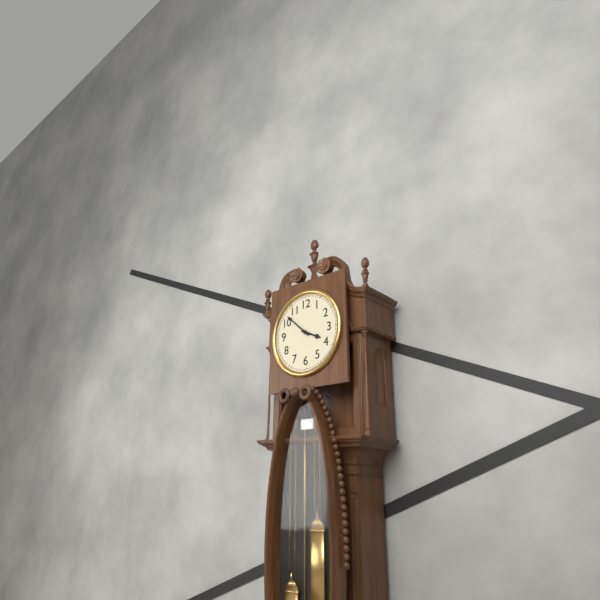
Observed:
{"hour": 3, "minute": 52}
